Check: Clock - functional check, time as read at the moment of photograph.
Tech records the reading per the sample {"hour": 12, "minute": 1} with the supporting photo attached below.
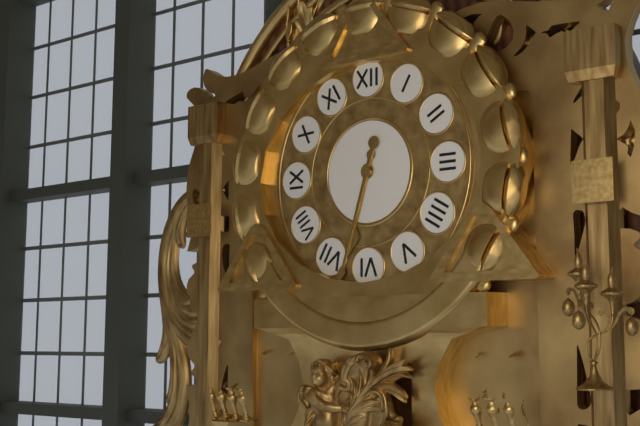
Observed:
{"hour": 6, "minute": 33}
